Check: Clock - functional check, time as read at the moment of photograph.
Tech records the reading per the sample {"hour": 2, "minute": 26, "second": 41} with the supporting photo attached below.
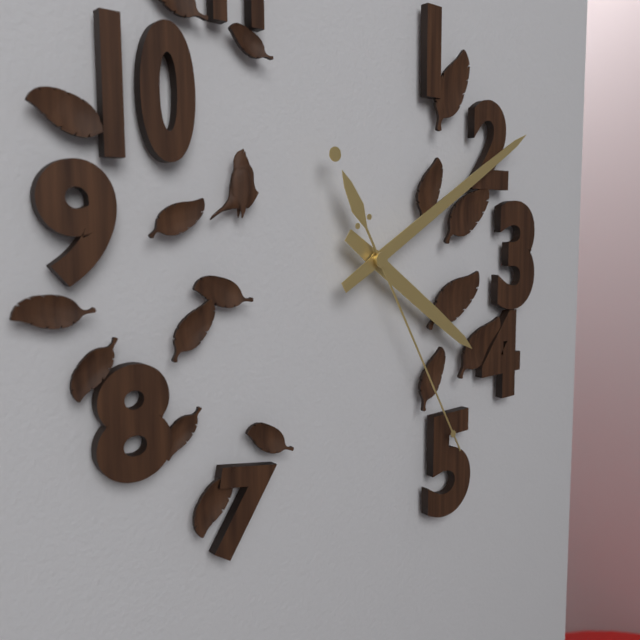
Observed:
{"hour": 4, "minute": 10, "second": 25}
